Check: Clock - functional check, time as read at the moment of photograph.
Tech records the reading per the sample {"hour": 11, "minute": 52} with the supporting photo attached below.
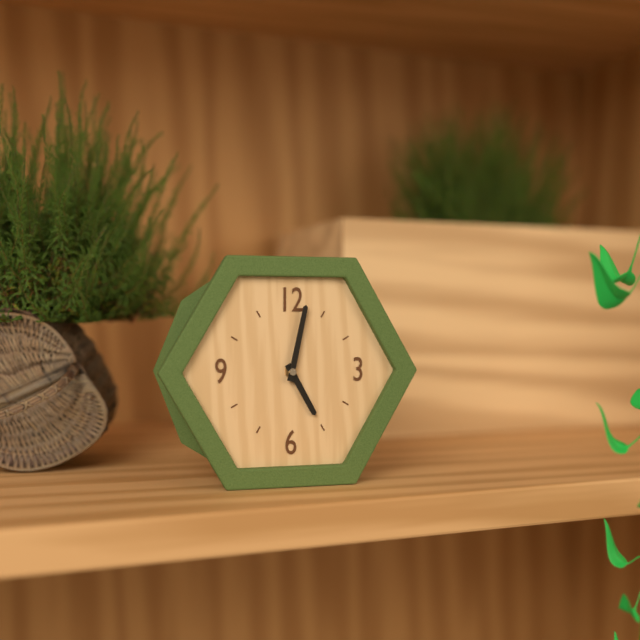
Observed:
{"hour": 5, "minute": 2}
